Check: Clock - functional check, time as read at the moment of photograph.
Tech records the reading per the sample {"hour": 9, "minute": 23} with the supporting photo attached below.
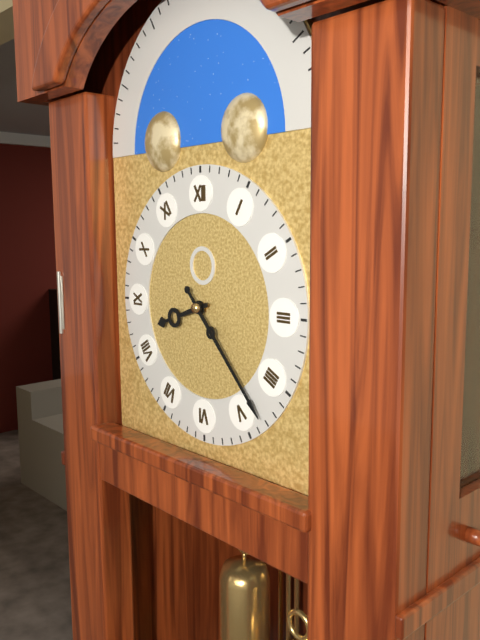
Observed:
{"hour": 8, "minute": 23}
